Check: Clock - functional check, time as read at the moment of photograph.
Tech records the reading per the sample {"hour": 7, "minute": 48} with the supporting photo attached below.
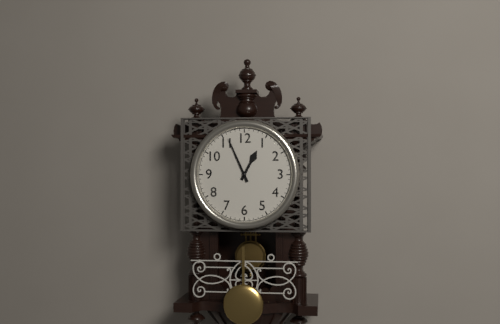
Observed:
{"hour": 12, "minute": 56}
